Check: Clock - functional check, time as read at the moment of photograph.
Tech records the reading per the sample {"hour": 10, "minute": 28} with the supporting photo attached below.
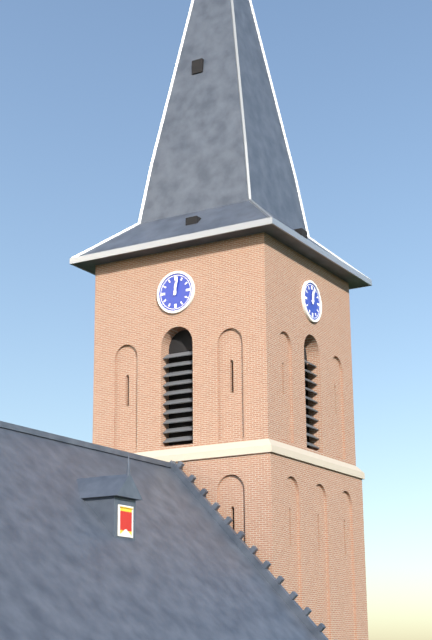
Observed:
{"hour": 12, "minute": 2}
